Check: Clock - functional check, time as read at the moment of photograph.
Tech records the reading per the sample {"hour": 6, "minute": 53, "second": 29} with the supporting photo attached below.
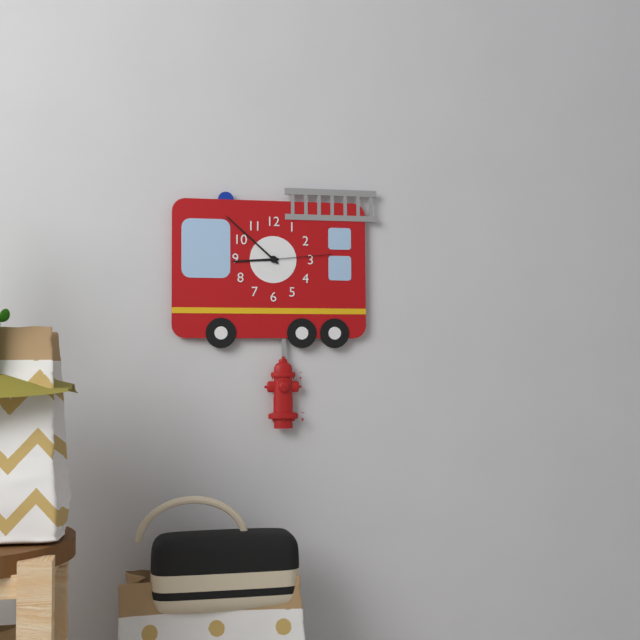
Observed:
{"hour": 8, "minute": 52, "second": 14}
